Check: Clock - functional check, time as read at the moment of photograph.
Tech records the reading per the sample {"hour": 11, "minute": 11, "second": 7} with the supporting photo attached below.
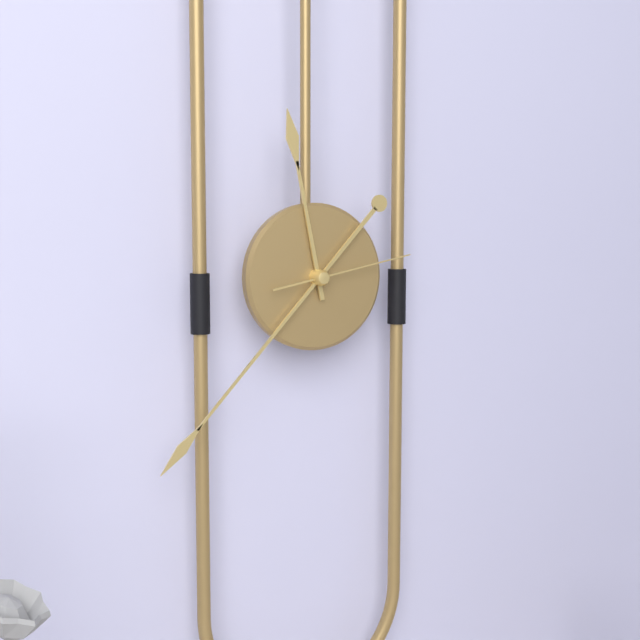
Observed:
{"hour": 11, "minute": 37, "second": 13}
